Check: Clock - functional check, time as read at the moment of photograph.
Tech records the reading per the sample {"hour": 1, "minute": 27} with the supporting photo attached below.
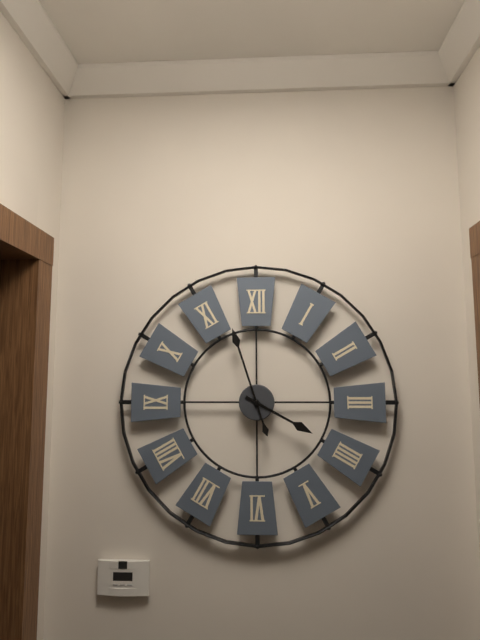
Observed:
{"hour": 3, "minute": 57}
